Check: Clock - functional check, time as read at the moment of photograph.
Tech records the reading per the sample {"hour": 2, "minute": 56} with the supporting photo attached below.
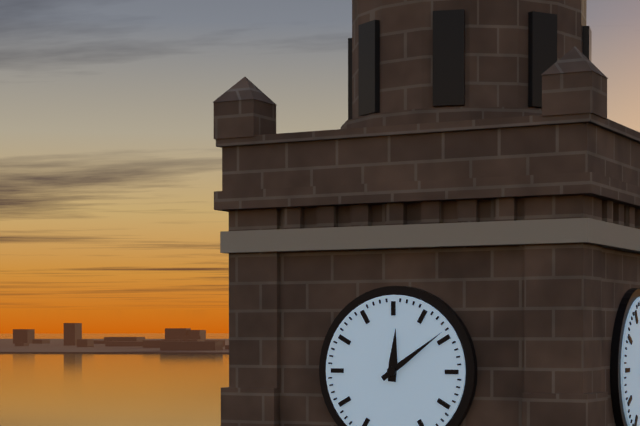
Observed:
{"hour": 12, "minute": 9}
